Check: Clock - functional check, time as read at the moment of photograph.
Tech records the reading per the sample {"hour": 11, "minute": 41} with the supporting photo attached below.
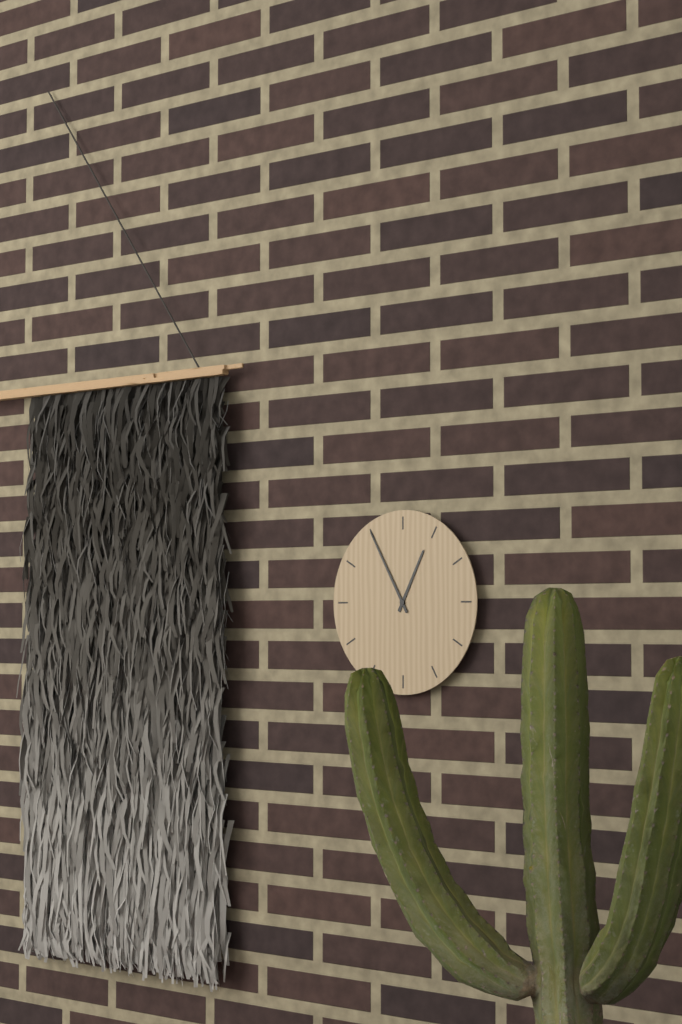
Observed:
{"hour": 12, "minute": 55}
